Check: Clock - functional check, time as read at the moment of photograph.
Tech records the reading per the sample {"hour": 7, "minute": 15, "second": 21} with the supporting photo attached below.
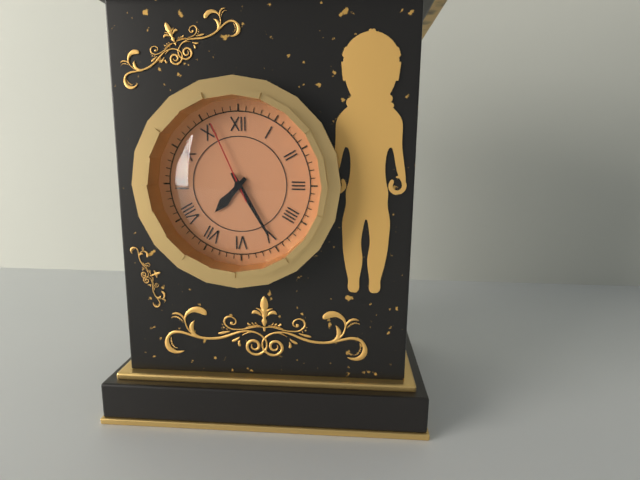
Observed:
{"hour": 7, "minute": 25, "second": 56}
